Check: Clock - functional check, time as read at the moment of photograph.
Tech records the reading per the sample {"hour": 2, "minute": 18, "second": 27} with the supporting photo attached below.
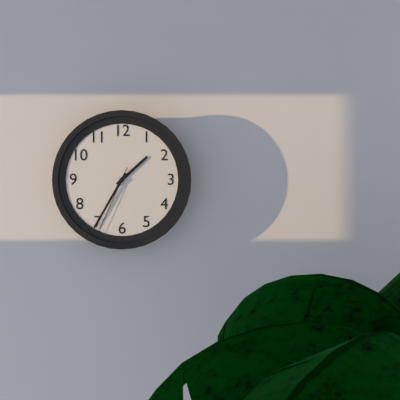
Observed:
{"hour": 1, "minute": 35, "second": 34}
